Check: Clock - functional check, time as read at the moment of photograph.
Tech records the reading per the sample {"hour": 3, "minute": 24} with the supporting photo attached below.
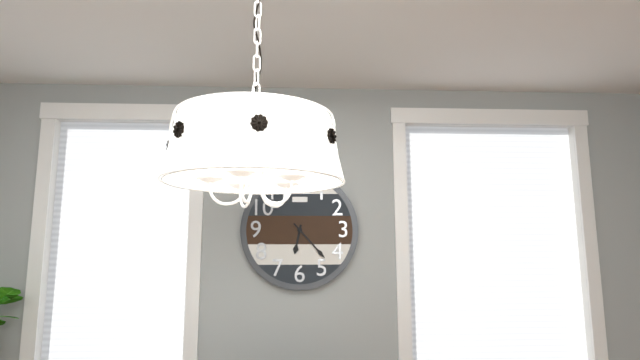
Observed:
{"hour": 6, "minute": 23}
